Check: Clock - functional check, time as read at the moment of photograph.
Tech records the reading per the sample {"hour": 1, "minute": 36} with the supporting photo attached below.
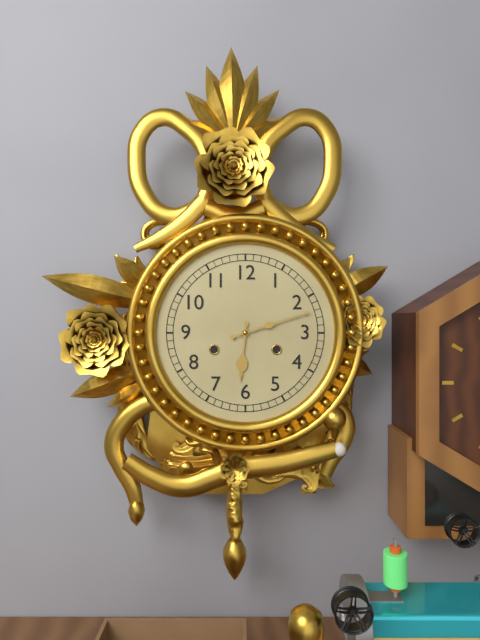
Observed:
{"hour": 6, "minute": 12}
